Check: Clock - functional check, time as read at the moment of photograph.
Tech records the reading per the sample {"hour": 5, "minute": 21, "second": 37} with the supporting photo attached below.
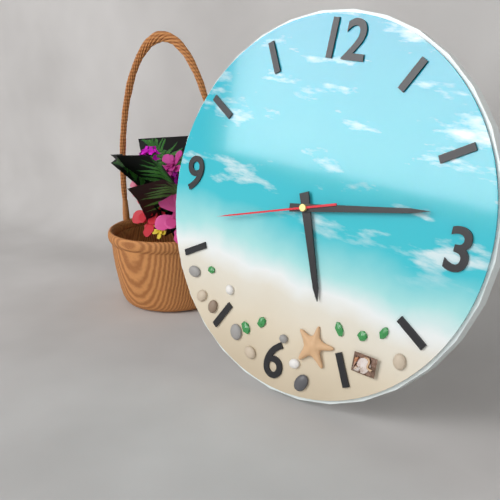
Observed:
{"hour": 5, "minute": 13, "second": 42}
